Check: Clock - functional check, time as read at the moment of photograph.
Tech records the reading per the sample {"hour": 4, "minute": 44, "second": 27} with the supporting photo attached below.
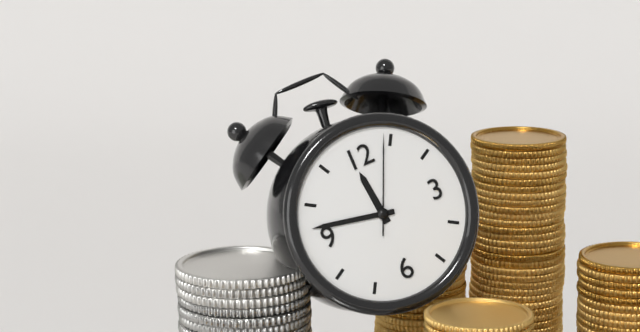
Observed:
{"hour": 11, "minute": 47, "second": 4}
